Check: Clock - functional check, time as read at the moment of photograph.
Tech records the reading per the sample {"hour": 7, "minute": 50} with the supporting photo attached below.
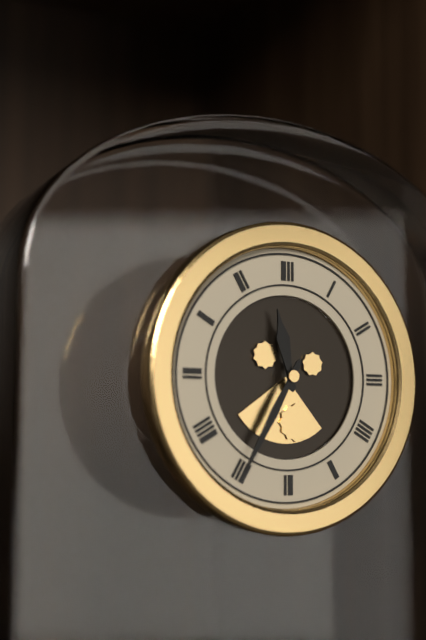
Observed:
{"hour": 11, "minute": 35}
